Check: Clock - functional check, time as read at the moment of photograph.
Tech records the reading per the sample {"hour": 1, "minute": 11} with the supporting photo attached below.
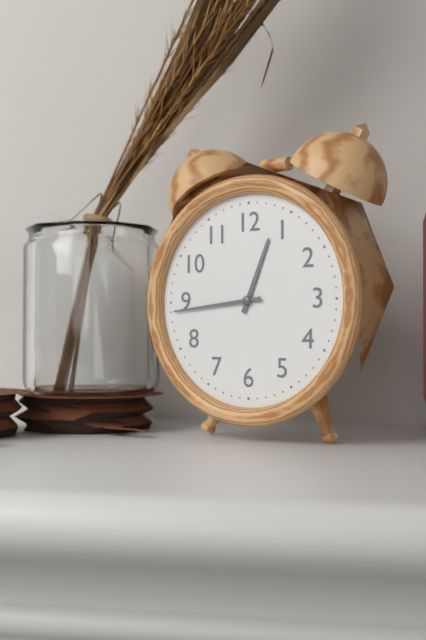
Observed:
{"hour": 12, "minute": 44}
